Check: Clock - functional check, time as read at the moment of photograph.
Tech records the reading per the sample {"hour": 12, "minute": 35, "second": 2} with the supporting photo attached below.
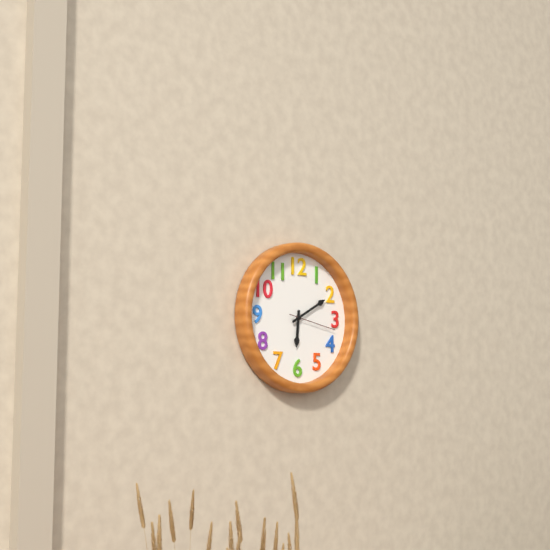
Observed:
{"hour": 6, "minute": 10, "second": 17}
